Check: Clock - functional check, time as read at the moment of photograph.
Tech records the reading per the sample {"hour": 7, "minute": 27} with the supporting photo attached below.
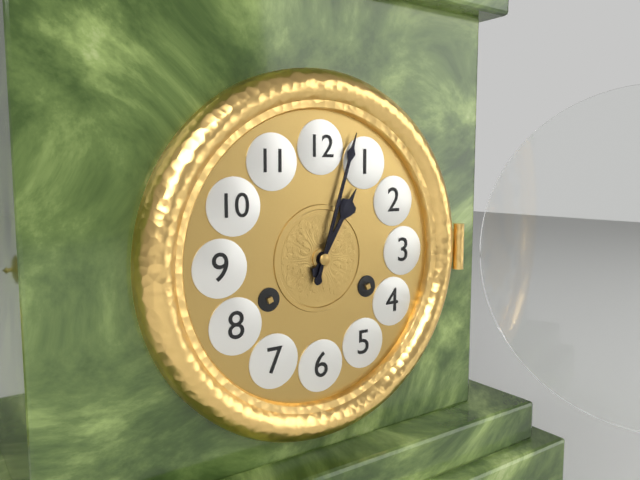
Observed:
{"hour": 1, "minute": 3}
